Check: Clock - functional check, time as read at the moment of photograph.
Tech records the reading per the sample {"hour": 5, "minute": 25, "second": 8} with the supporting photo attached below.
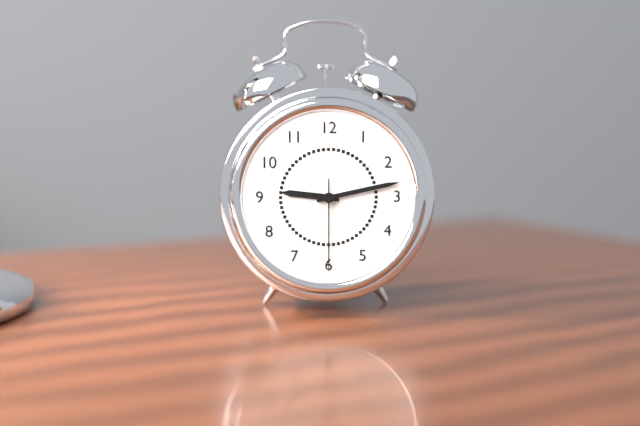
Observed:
{"hour": 9, "minute": 13, "second": 30}
